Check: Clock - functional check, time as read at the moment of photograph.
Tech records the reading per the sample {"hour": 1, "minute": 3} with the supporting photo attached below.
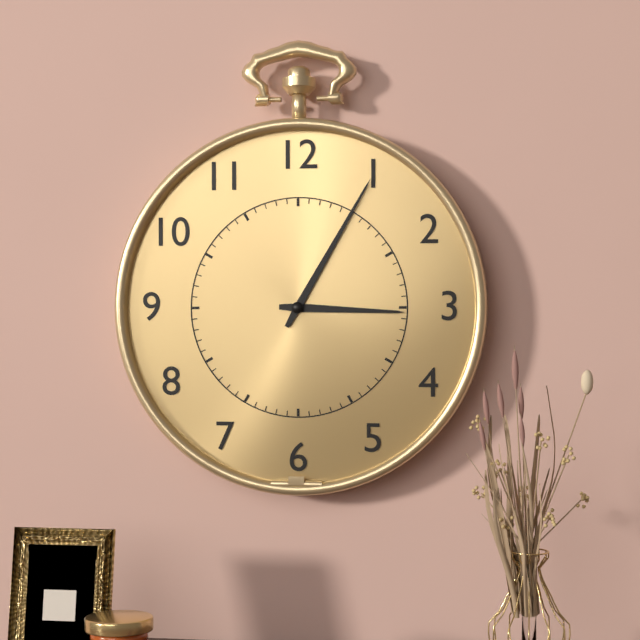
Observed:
{"hour": 3, "minute": 5}
